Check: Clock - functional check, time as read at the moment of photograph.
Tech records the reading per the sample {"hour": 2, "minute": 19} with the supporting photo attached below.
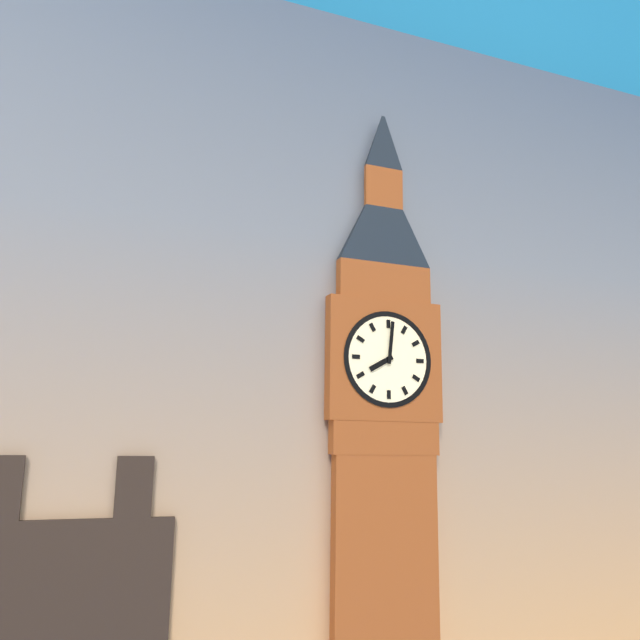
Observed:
{"hour": 8, "minute": 1}
